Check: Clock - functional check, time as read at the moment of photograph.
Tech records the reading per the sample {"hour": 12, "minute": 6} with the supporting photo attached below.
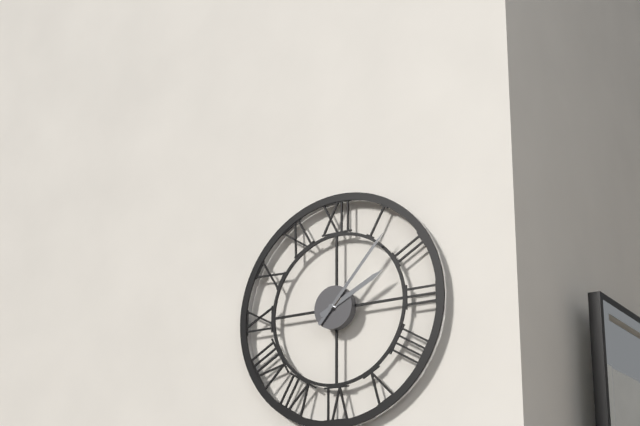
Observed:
{"hour": 2, "minute": 7}
